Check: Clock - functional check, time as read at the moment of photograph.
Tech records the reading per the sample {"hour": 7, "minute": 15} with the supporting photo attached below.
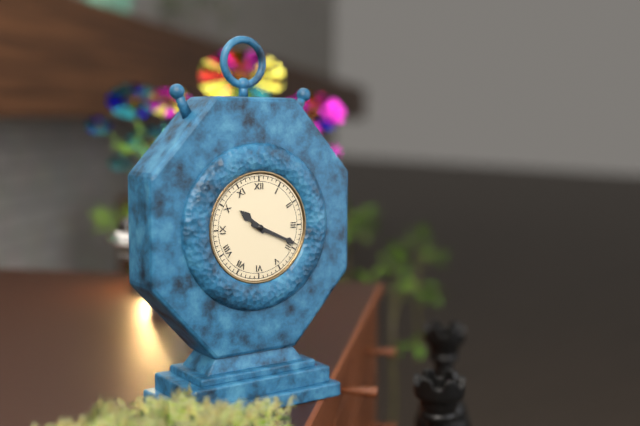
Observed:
{"hour": 10, "minute": 19}
